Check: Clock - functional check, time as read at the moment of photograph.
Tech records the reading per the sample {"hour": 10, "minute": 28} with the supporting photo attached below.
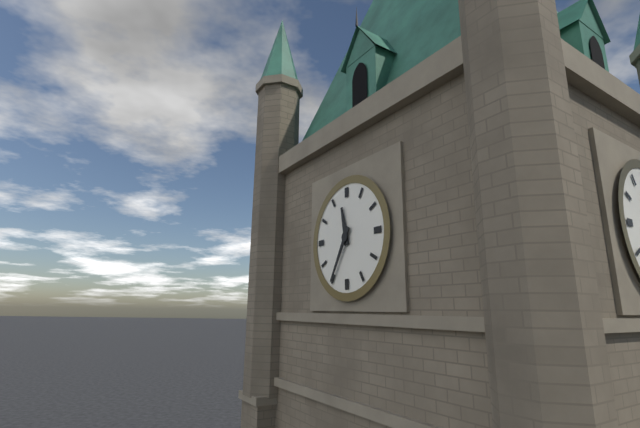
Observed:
{"hour": 11, "minute": 35}
